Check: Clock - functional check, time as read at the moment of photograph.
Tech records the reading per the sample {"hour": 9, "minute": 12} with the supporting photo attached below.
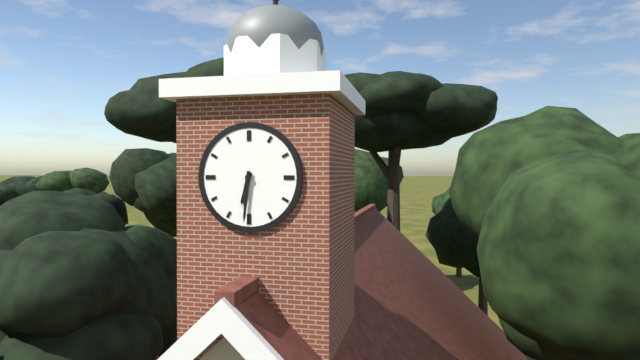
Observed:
{"hour": 6, "minute": 31}
